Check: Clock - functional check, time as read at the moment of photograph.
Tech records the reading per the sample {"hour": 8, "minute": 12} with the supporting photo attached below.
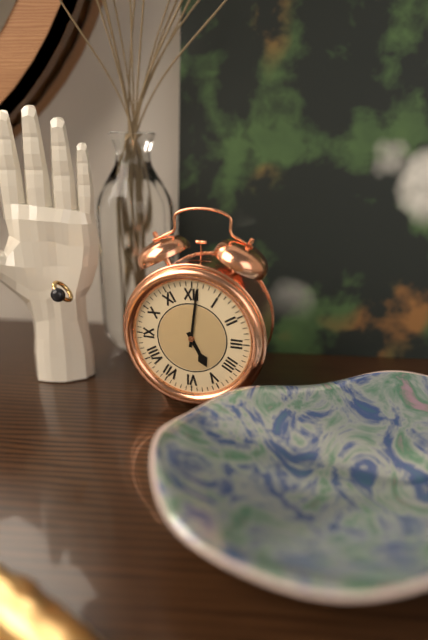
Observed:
{"hour": 5, "minute": 1}
